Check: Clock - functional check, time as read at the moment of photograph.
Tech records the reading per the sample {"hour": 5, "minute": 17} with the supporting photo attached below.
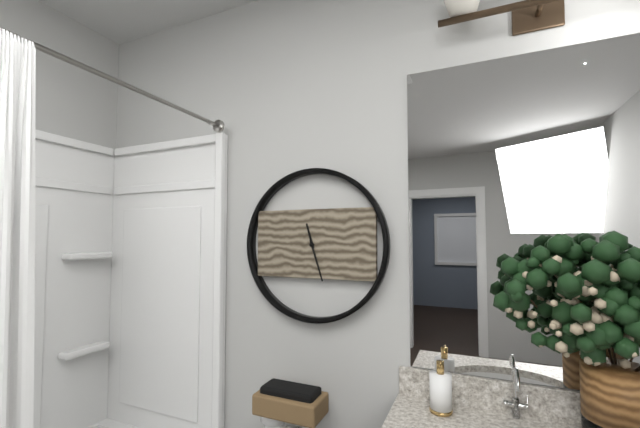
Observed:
{"hour": 11, "minute": 27}
